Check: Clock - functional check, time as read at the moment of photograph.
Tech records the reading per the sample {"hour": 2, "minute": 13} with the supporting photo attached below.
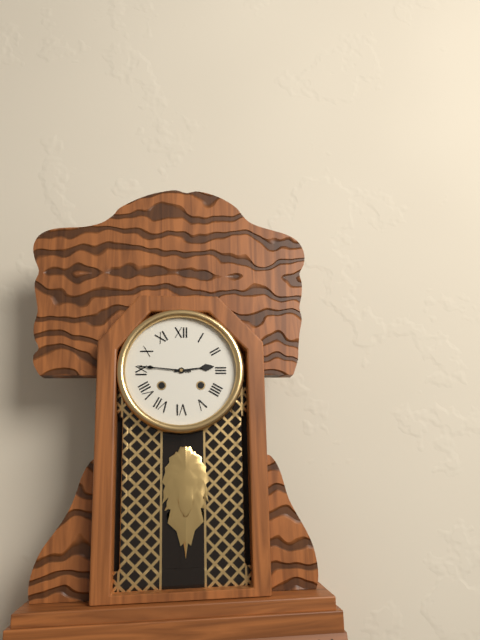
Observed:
{"hour": 2, "minute": 46}
